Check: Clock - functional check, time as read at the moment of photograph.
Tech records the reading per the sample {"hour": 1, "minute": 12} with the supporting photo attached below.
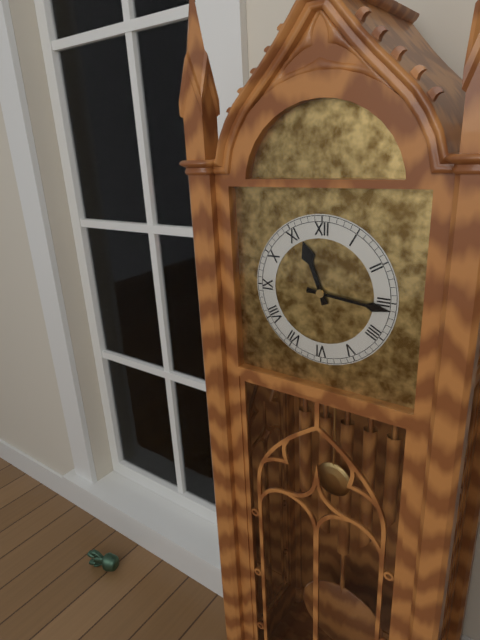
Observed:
{"hour": 11, "minute": 16}
